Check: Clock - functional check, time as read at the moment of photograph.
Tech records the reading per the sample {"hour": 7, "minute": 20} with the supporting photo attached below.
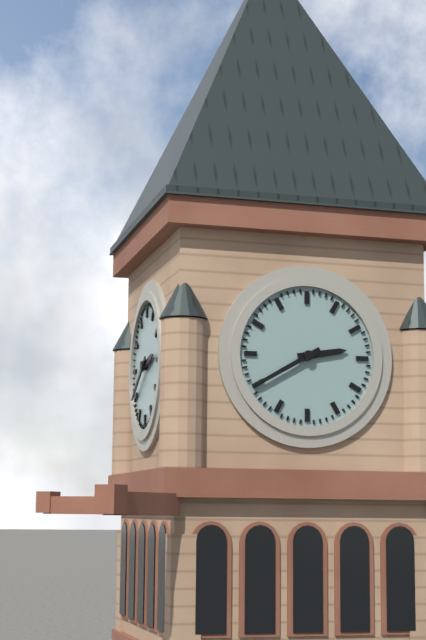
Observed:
{"hour": 2, "minute": 40}
